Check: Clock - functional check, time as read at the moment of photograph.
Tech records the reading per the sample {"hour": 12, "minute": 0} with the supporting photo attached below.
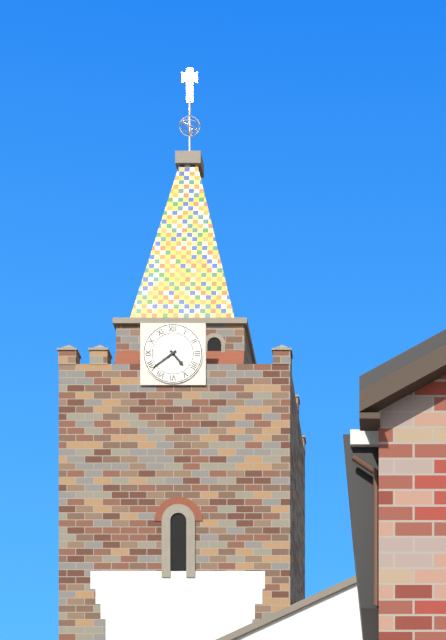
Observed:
{"hour": 4, "minute": 39}
